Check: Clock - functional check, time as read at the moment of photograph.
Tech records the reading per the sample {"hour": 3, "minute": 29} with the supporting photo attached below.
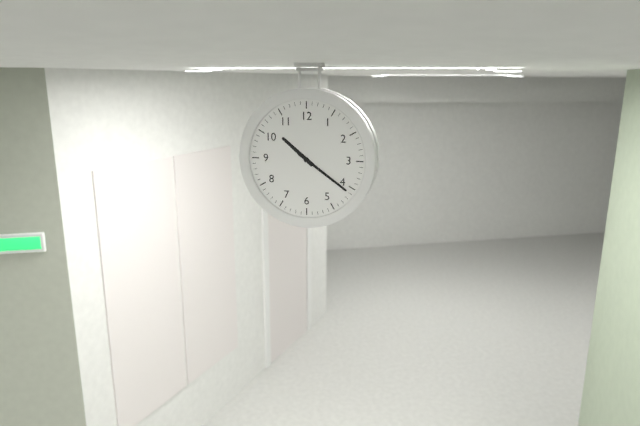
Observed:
{"hour": 10, "minute": 21}
